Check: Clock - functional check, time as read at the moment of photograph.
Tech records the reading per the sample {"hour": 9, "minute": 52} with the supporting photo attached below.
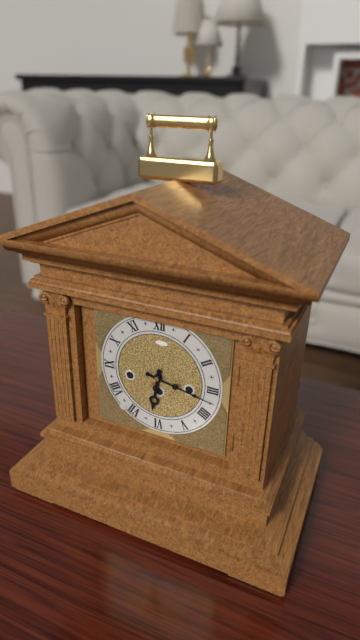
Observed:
{"hour": 6, "minute": 17}
